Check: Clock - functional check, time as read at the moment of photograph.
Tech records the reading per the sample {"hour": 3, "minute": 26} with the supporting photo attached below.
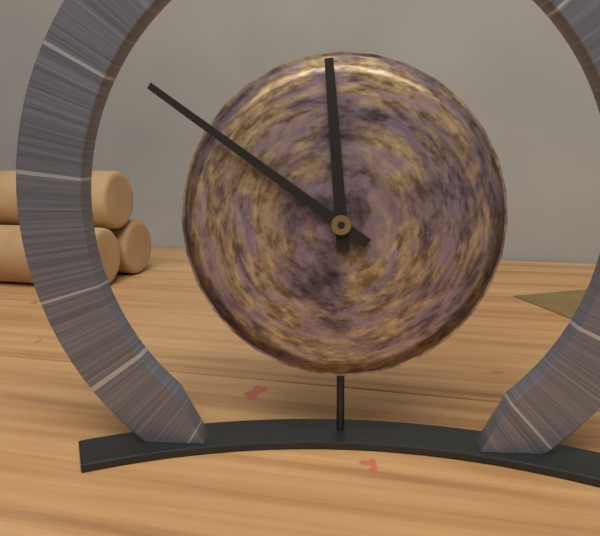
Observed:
{"hour": 11, "minute": 51}
